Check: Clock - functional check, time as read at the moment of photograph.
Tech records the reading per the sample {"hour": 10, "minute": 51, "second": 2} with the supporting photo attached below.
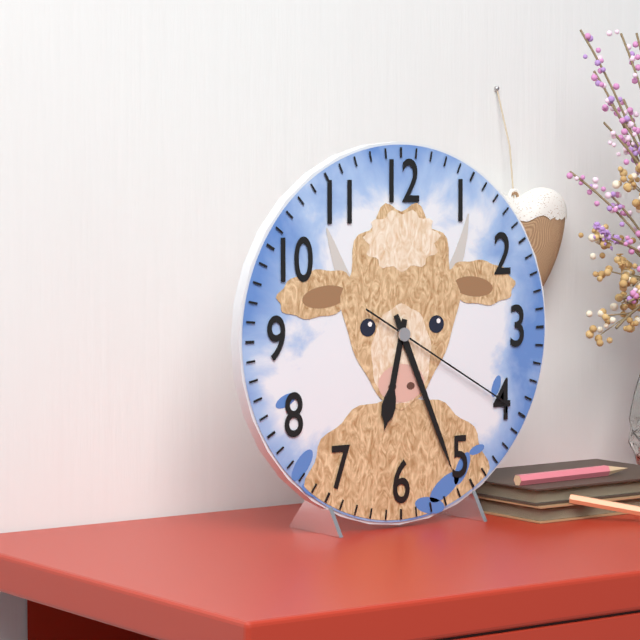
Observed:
{"hour": 6, "minute": 26, "second": 20}
